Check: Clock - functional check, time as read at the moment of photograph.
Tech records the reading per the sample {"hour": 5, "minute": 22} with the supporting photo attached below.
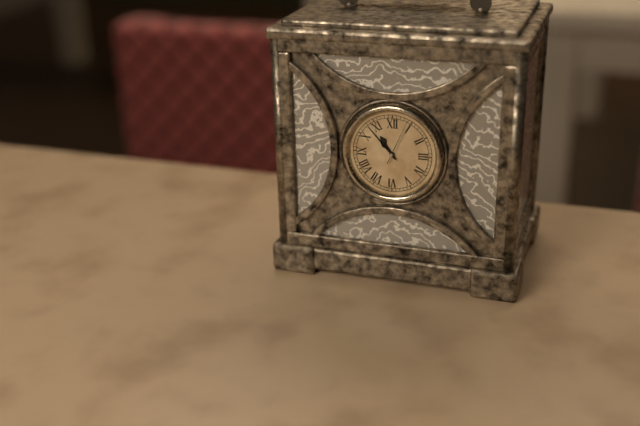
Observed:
{"hour": 10, "minute": 53}
